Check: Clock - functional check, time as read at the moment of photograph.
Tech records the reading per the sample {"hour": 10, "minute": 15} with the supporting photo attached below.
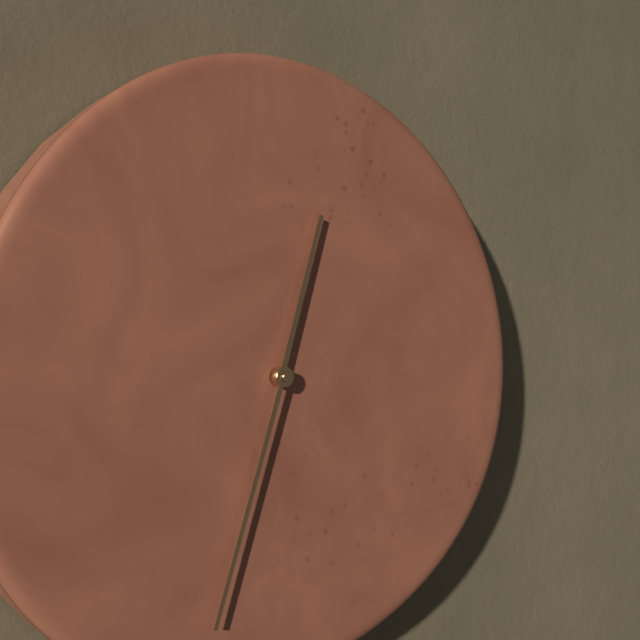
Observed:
{"hour": 12, "minute": 33}
